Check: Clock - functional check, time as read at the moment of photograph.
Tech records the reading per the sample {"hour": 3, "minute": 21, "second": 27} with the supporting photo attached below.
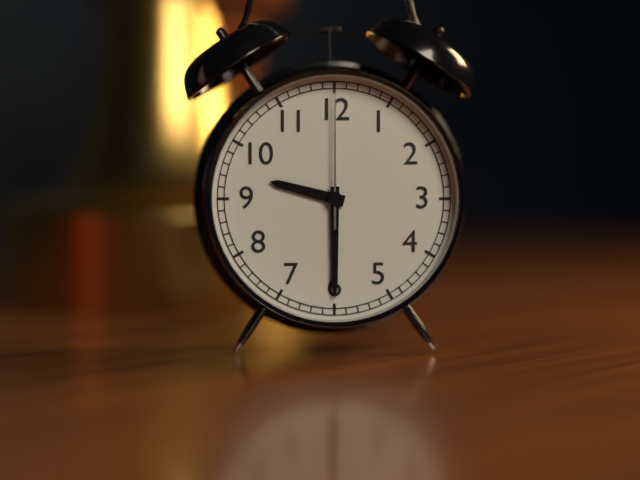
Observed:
{"hour": 9, "minute": 30, "second": 0}
